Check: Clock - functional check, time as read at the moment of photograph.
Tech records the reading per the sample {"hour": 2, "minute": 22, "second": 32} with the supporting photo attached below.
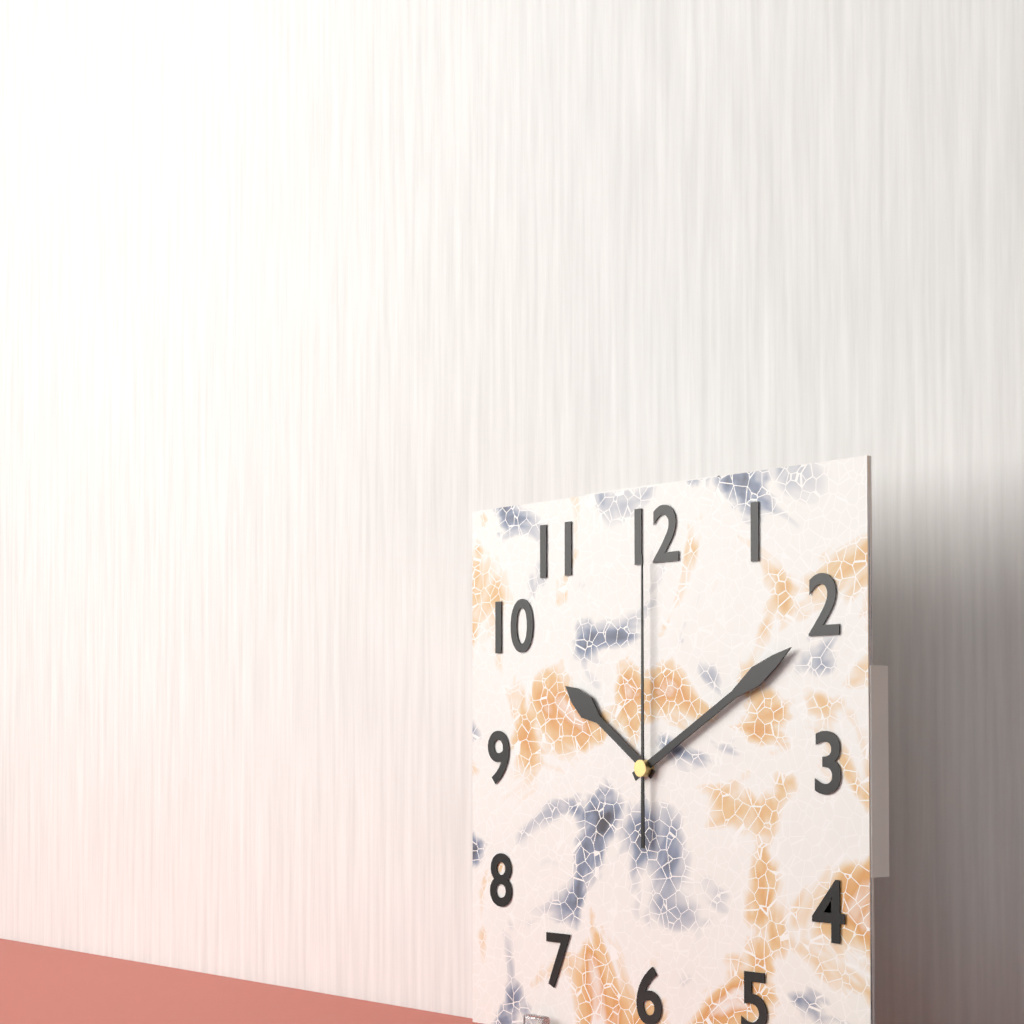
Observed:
{"hour": 10, "minute": 10, "second": 0}
